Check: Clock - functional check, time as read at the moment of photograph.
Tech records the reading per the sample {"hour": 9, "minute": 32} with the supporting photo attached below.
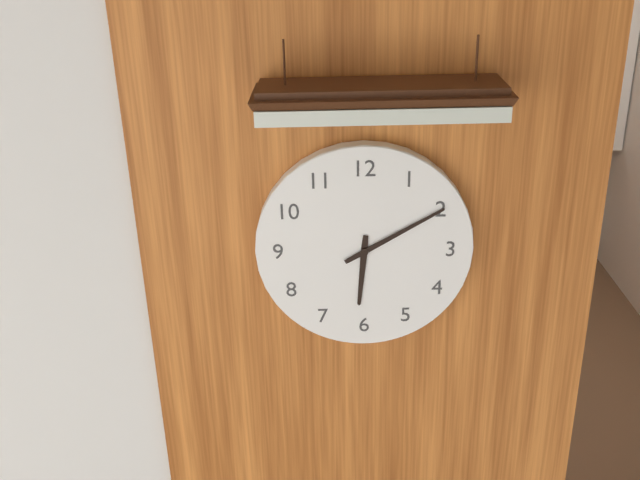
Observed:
{"hour": 6, "minute": 10}
